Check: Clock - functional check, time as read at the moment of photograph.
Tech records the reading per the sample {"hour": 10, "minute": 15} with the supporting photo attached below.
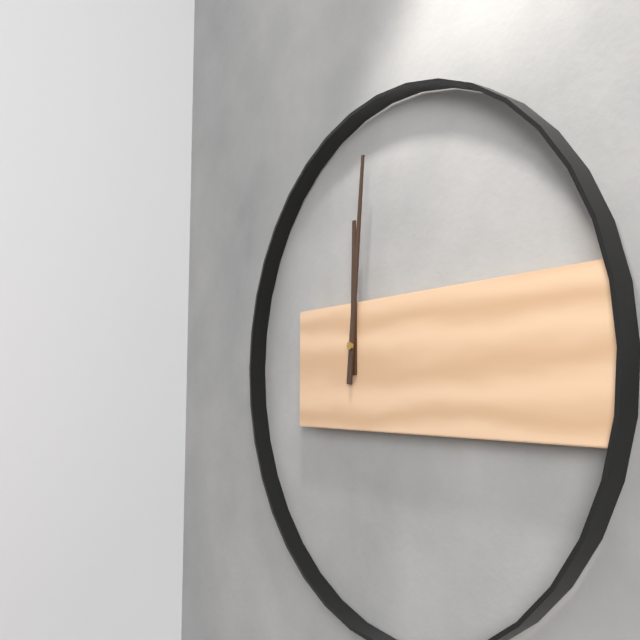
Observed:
{"hour": 12, "minute": 1}
